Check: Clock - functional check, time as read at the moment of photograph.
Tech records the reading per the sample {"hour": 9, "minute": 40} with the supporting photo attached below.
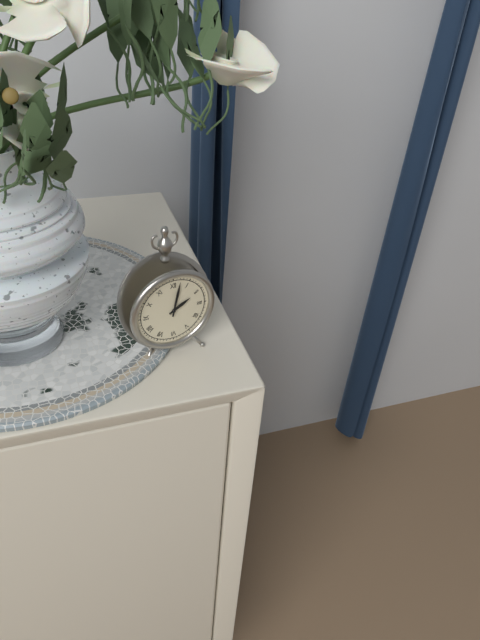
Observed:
{"hour": 2, "minute": 2}
